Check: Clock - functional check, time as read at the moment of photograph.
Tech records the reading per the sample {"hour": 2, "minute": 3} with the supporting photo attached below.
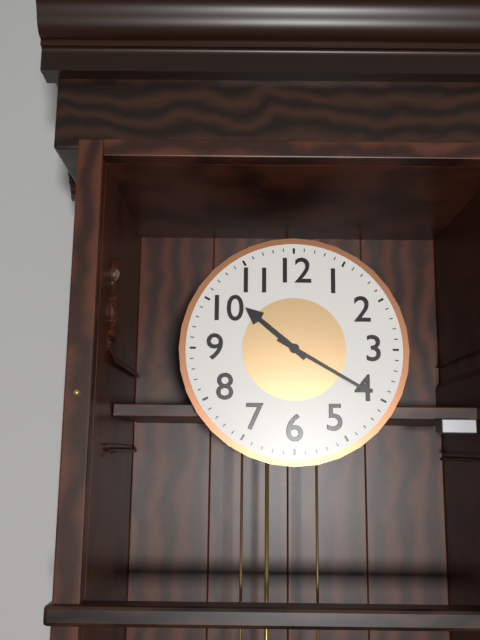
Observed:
{"hour": 10, "minute": 20}
